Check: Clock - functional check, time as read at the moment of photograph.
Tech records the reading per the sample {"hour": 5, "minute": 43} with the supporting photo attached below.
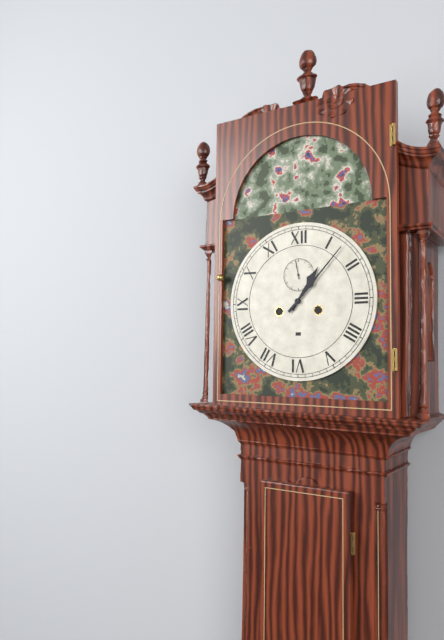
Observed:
{"hour": 1, "minute": 7}
